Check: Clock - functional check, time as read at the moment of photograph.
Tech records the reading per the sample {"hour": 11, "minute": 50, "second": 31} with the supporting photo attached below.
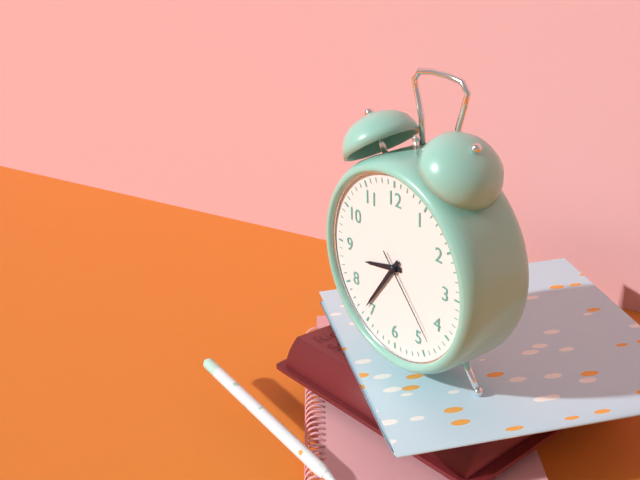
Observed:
{"hour": 8, "minute": 36, "second": 23}
